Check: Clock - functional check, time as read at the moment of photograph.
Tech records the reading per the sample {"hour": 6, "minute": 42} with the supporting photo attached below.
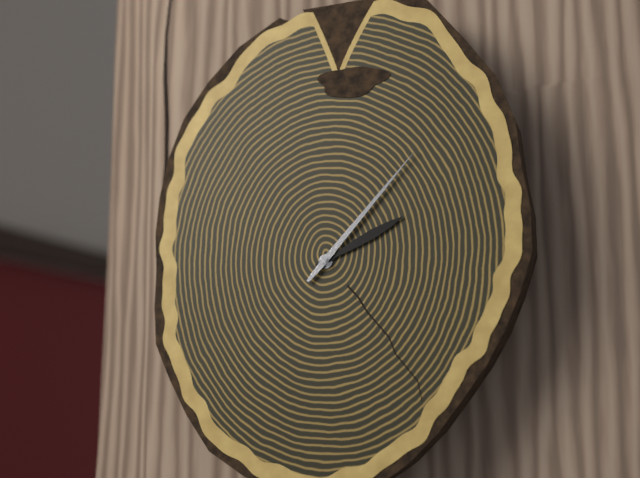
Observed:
{"hour": 2, "minute": 7}
